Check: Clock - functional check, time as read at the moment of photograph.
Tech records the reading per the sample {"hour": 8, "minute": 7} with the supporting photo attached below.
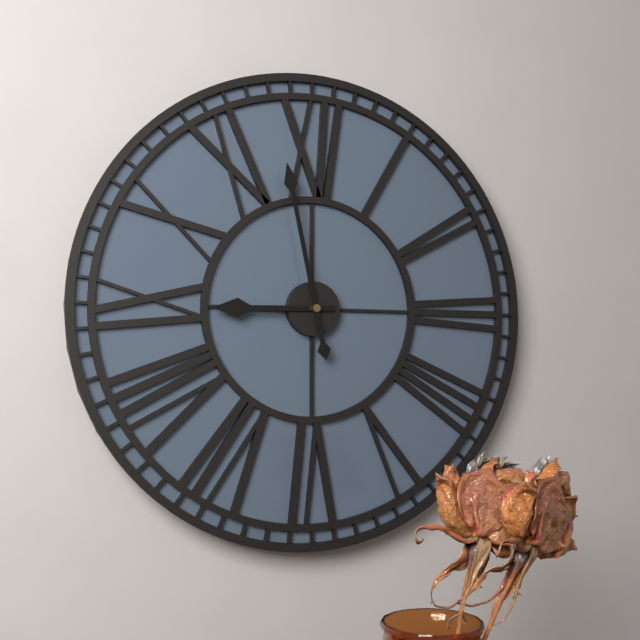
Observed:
{"hour": 8, "minute": 58}
